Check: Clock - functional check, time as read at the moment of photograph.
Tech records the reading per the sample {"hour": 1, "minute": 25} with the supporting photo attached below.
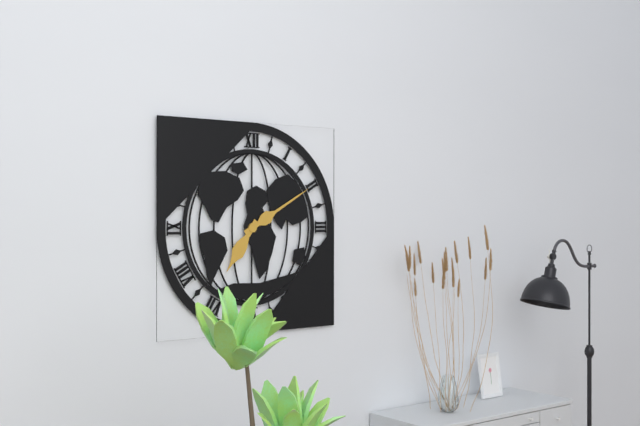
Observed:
{"hour": 7, "minute": 10}
